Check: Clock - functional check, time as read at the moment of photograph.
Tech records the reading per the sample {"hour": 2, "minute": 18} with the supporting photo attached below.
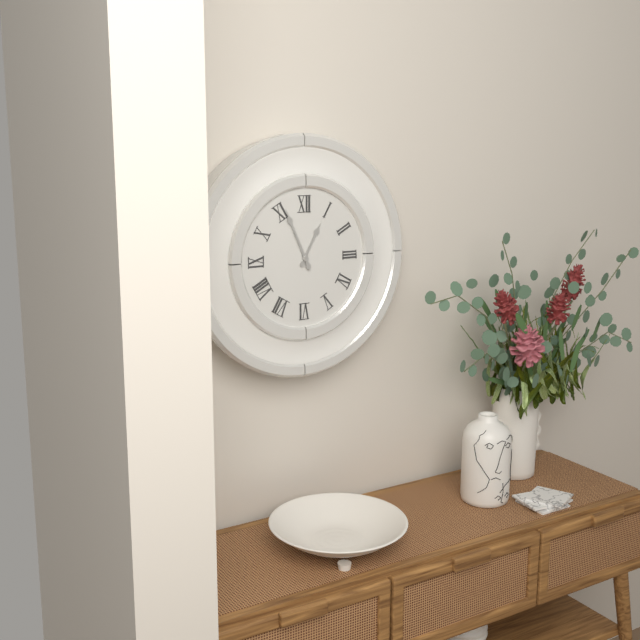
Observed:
{"hour": 12, "minute": 56}
